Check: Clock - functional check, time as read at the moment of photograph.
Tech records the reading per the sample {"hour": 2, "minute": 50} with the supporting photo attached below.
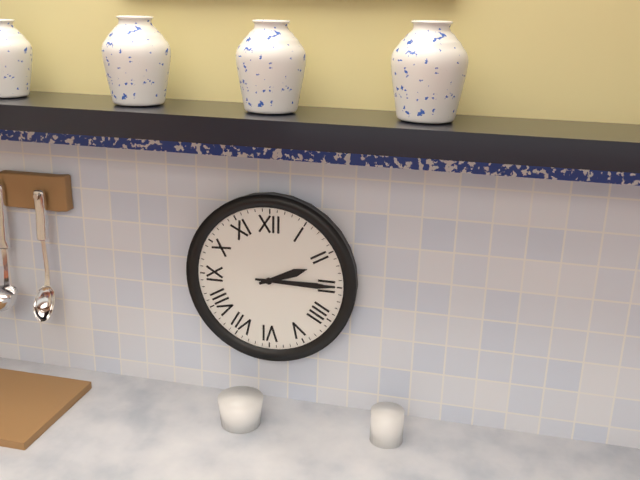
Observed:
{"hour": 2, "minute": 15}
